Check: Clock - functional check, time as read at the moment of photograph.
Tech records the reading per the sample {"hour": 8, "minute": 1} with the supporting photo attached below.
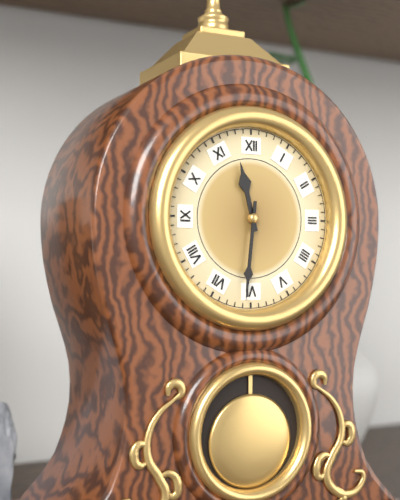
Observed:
{"hour": 11, "minute": 31}
